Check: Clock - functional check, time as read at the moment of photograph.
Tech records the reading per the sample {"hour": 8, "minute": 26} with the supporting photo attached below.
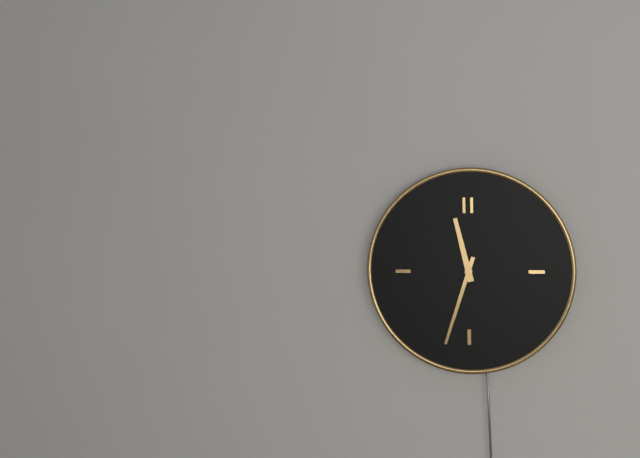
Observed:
{"hour": 11, "minute": 33}
